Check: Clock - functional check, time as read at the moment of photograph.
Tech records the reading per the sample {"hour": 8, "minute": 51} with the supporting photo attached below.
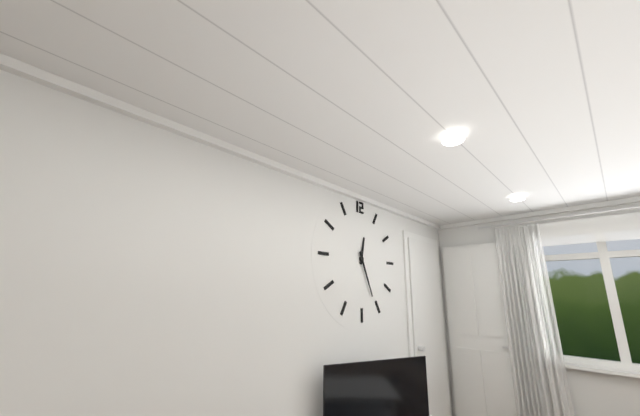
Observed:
{"hour": 12, "minute": 26}
